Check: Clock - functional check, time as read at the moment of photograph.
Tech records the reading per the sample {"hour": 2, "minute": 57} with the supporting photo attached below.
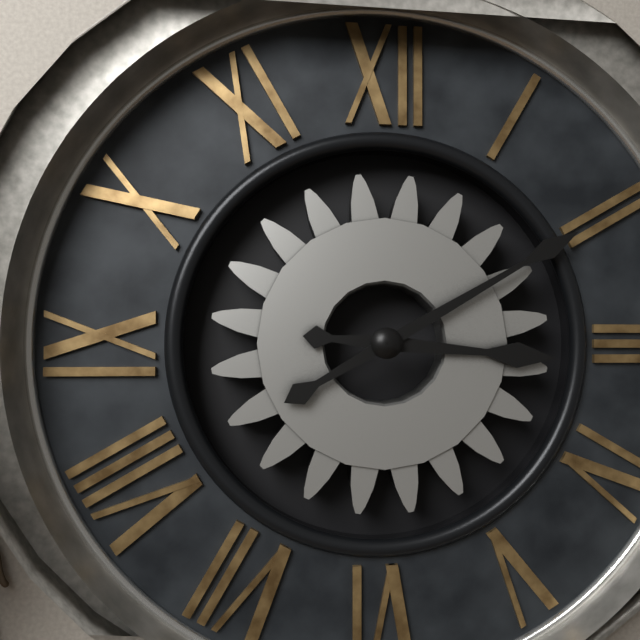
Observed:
{"hour": 3, "minute": 10}
